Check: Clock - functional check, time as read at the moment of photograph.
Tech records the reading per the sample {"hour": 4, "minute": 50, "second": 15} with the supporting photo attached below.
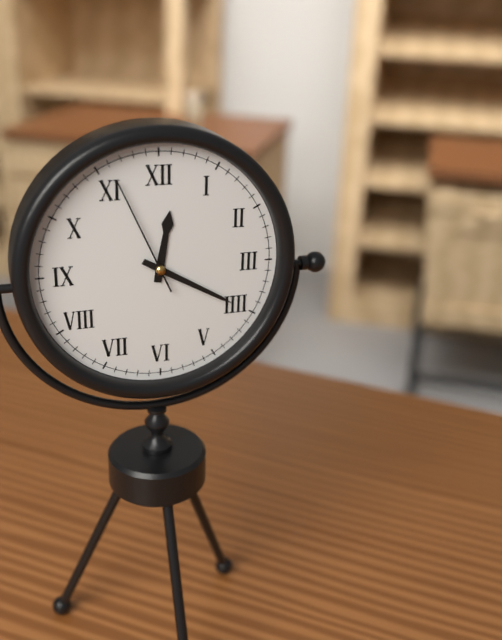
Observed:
{"hour": 12, "minute": 20, "second": 56}
